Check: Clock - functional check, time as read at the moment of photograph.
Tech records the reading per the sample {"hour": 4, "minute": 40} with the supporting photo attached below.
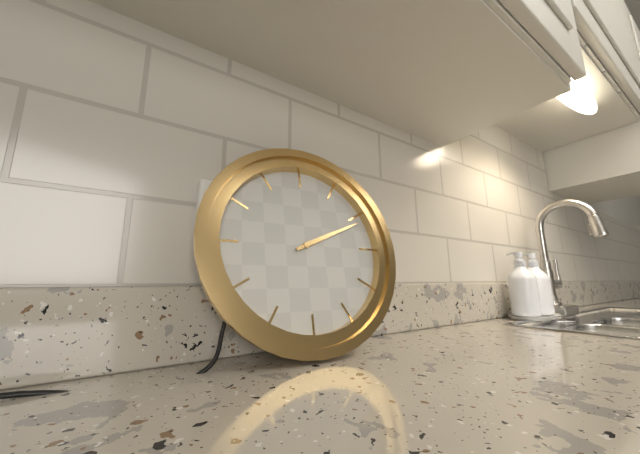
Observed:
{"hour": 2, "minute": 11}
